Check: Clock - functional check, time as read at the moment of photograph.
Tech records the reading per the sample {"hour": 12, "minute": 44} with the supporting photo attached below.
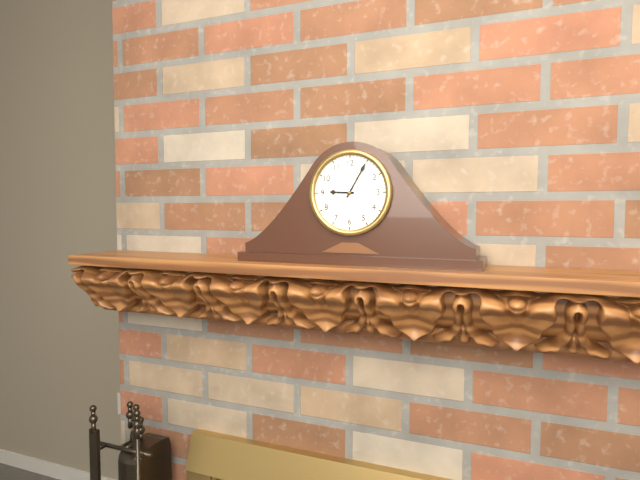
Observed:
{"hour": 9, "minute": 5}
